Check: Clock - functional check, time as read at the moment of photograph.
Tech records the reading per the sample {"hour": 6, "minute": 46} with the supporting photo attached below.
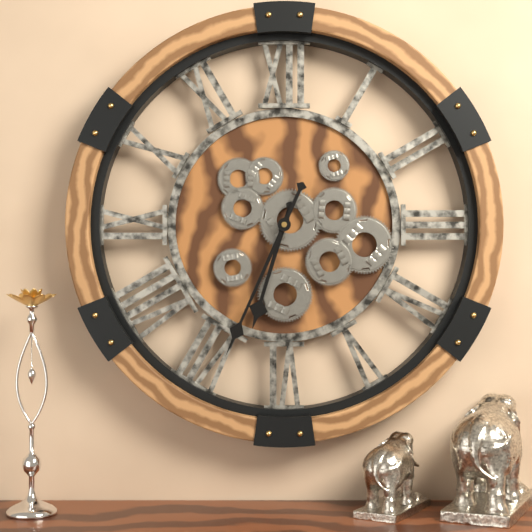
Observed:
{"hour": 6, "minute": 34}
